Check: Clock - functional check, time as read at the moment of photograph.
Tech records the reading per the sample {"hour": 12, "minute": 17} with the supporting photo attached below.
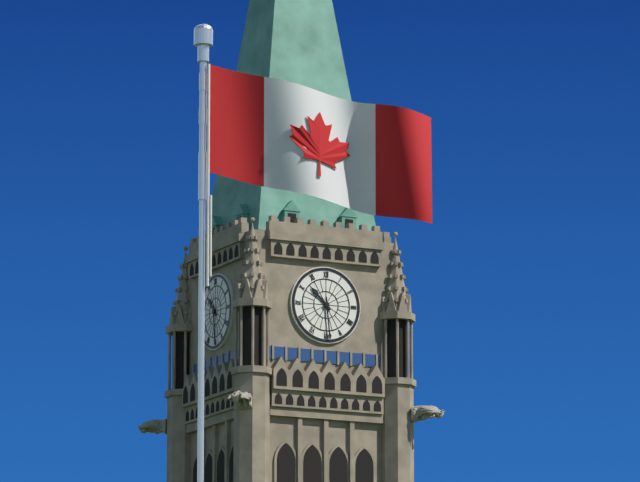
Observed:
{"hour": 10, "minute": 29}
